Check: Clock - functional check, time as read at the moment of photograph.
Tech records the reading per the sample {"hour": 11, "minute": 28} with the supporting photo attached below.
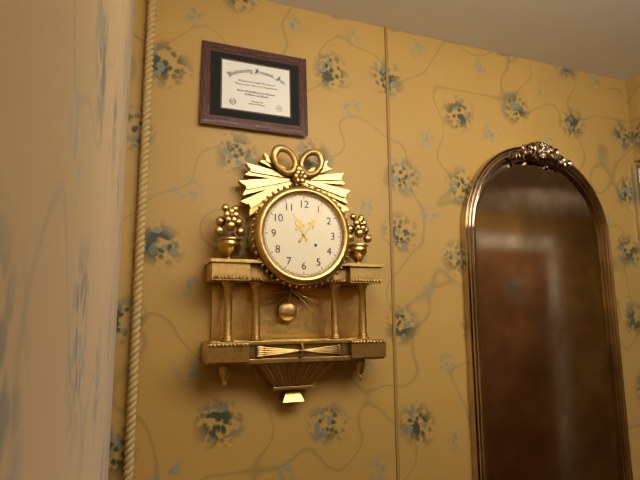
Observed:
{"hour": 11, "minute": 6}
